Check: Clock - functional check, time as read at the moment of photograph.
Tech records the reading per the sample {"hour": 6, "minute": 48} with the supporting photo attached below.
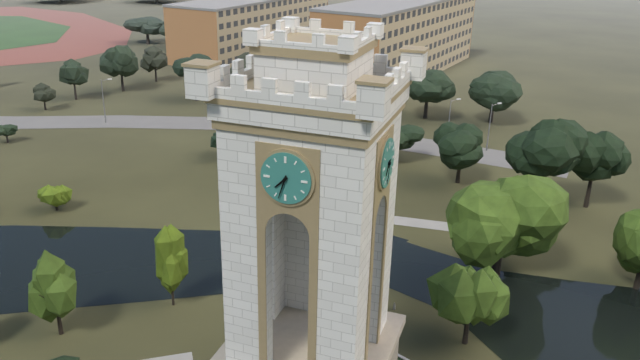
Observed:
{"hour": 7, "minute": 33}
